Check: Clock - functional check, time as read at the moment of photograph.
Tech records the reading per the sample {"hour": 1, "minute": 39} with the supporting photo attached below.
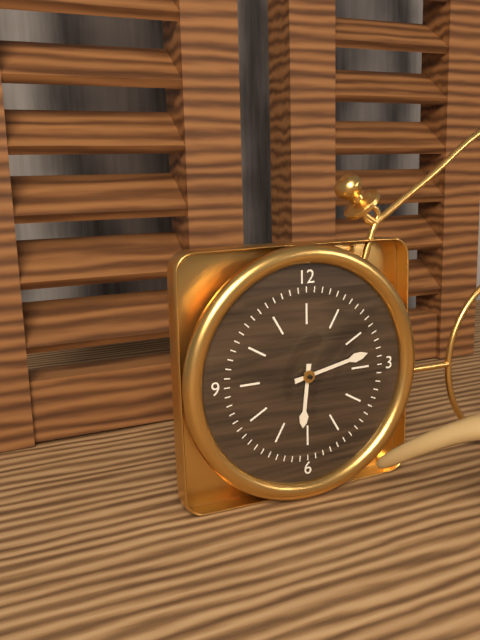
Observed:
{"hour": 6, "minute": 13}
